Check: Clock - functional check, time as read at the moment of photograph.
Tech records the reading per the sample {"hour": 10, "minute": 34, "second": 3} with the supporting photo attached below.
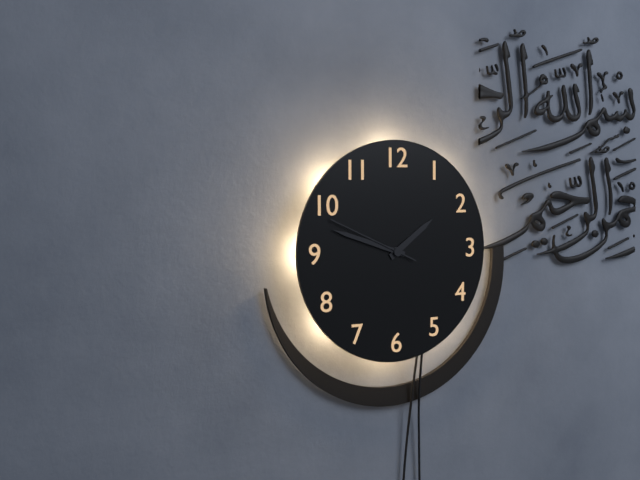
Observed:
{"hour": 1, "minute": 48, "second": 49}
